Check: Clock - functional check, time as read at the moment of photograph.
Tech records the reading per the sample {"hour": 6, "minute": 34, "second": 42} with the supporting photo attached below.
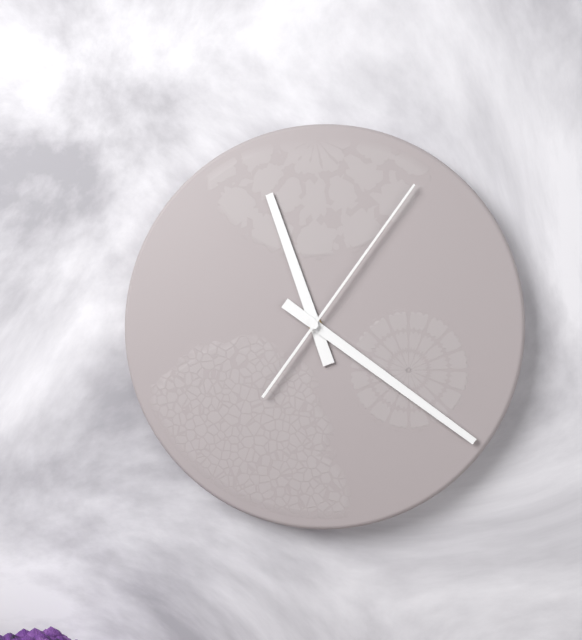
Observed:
{"hour": 11, "minute": 21, "second": 6}
